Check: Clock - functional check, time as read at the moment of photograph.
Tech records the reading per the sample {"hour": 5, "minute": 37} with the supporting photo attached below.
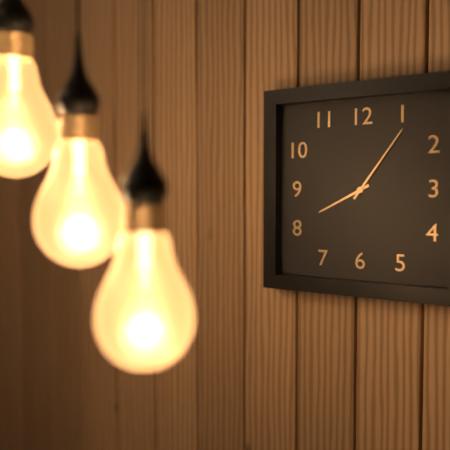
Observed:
{"hour": 8, "minute": 6}
